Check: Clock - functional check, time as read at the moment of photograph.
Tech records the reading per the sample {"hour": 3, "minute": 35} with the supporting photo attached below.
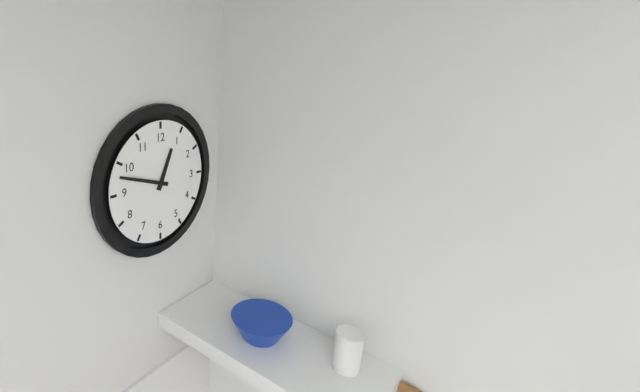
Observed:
{"hour": 12, "minute": 48}
